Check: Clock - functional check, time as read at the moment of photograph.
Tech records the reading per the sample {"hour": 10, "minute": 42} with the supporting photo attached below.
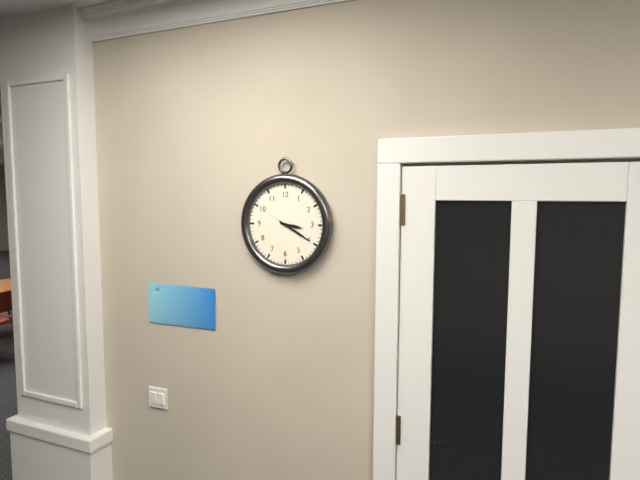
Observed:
{"hour": 3, "minute": 20}
